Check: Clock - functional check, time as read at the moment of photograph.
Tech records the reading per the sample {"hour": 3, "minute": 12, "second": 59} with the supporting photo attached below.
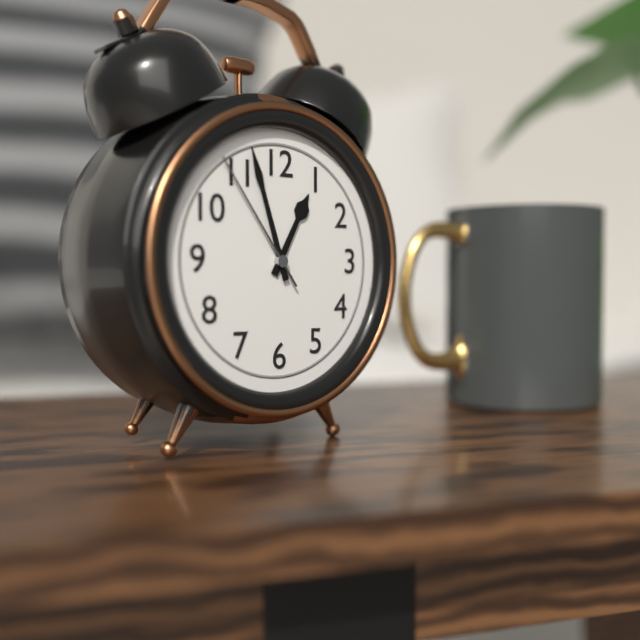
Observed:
{"hour": 12, "minute": 57, "second": 54}
